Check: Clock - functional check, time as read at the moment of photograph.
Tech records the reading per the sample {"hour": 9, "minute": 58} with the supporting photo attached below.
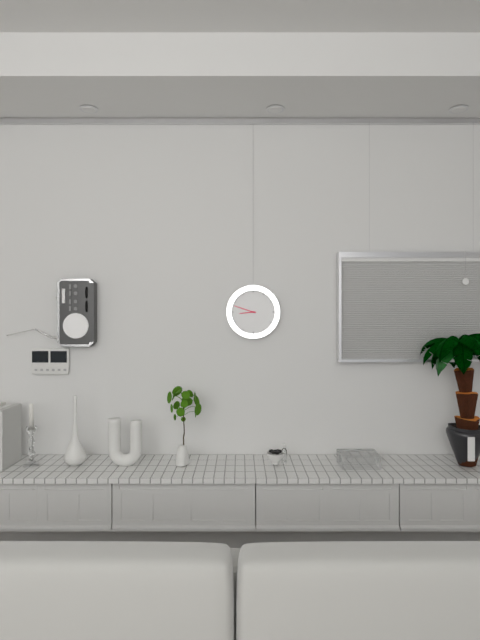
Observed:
{"hour": 8, "minute": 48}
